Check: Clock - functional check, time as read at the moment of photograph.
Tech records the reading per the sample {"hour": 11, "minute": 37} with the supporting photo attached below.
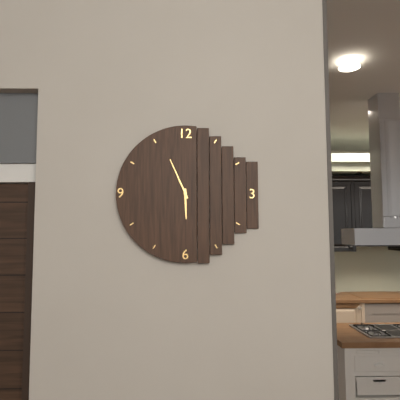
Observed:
{"hour": 5, "minute": 56}
